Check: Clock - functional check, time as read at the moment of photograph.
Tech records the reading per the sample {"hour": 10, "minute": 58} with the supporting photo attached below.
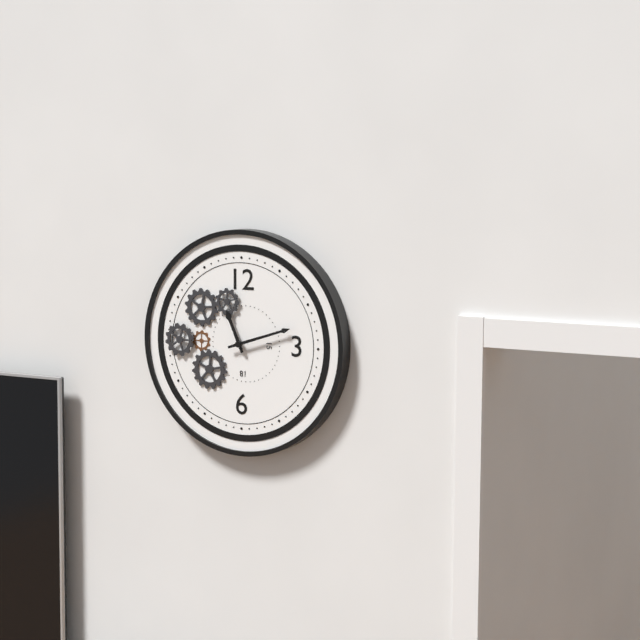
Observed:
{"hour": 11, "minute": 12}
